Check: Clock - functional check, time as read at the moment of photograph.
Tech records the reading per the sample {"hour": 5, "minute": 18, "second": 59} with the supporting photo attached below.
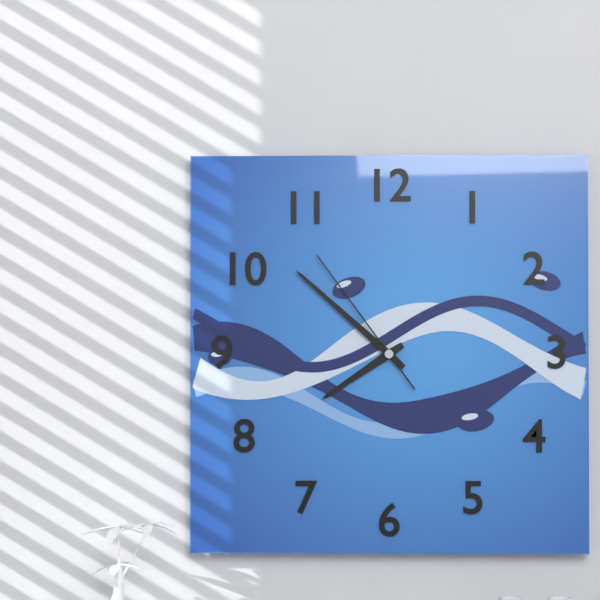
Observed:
{"hour": 7, "minute": 52, "second": 54}
